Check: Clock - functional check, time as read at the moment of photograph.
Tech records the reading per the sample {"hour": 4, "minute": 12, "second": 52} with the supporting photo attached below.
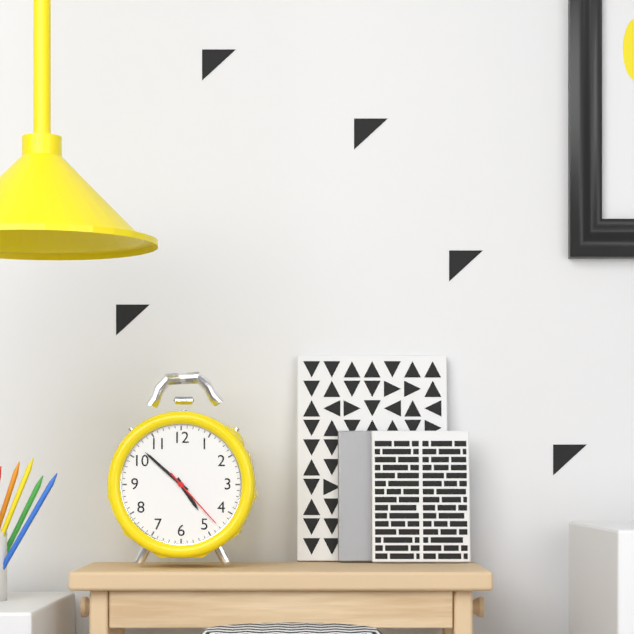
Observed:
{"hour": 4, "minute": 52, "second": 23}
